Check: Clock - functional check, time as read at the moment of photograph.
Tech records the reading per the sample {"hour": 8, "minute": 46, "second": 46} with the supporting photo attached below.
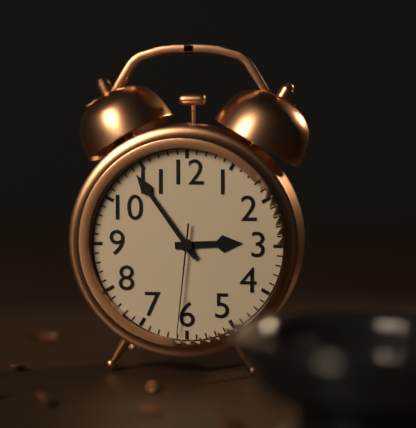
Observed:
{"hour": 2, "minute": 54, "second": 31}
